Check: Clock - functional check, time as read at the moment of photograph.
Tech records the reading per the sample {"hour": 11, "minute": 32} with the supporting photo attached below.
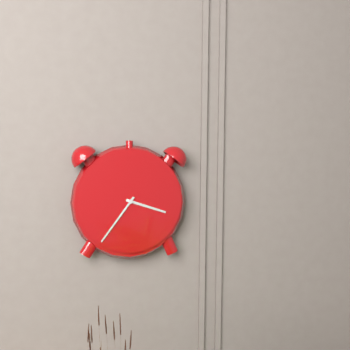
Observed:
{"hour": 3, "minute": 36}
